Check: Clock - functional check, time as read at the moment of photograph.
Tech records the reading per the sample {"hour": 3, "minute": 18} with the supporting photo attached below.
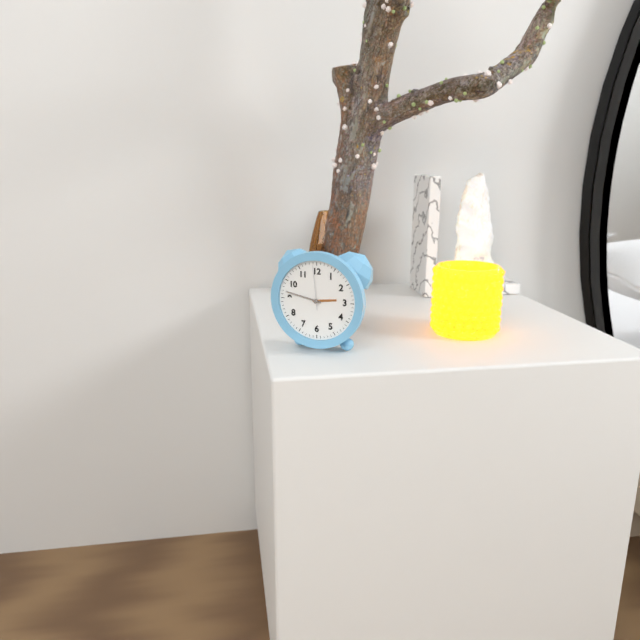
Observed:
{"hour": 2, "minute": 47}
